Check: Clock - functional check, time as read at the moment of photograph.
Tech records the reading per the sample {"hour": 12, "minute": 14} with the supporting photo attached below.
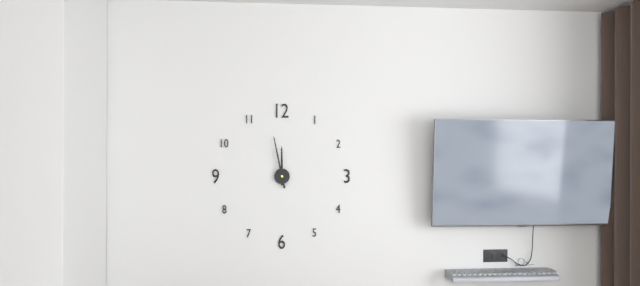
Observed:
{"hour": 11, "minute": 58}
